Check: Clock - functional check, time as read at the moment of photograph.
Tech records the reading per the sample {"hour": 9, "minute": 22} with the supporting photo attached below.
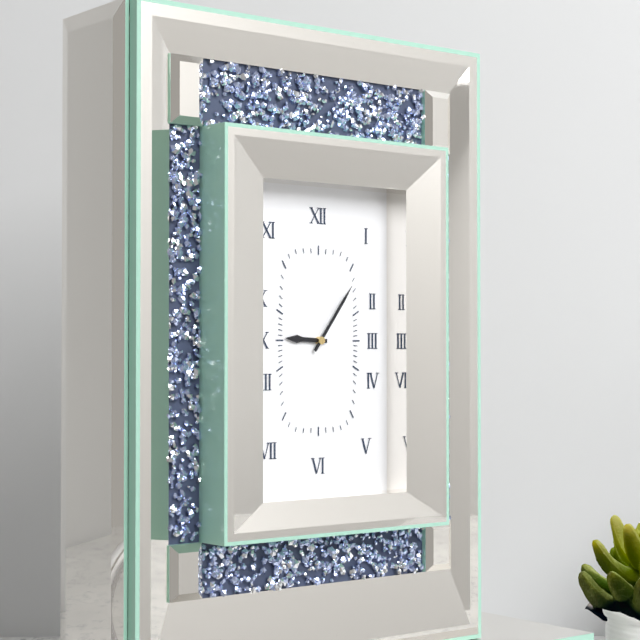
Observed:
{"hour": 9, "minute": 6}
